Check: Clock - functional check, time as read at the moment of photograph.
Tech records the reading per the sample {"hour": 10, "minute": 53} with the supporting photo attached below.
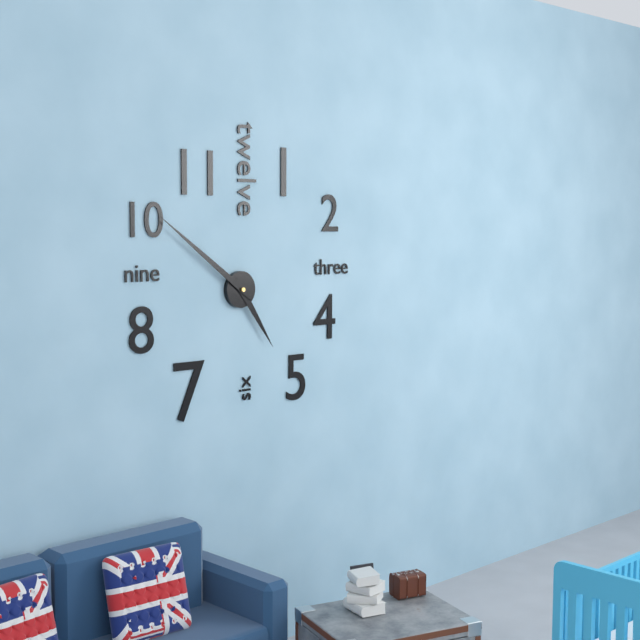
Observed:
{"hour": 4, "minute": 51}
